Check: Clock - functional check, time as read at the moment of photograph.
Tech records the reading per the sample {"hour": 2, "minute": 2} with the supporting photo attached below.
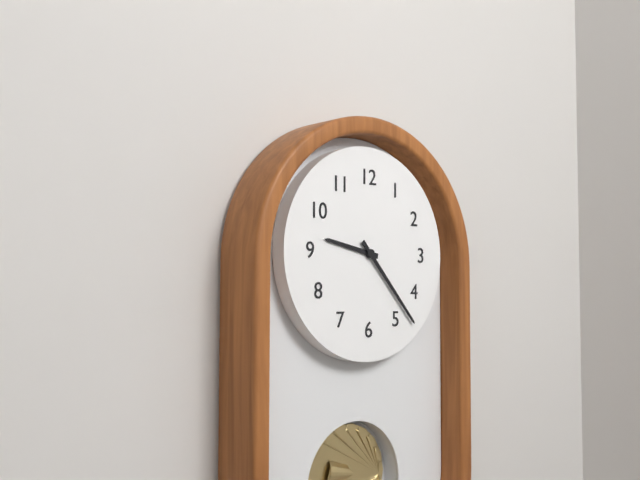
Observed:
{"hour": 9, "minute": 23}
